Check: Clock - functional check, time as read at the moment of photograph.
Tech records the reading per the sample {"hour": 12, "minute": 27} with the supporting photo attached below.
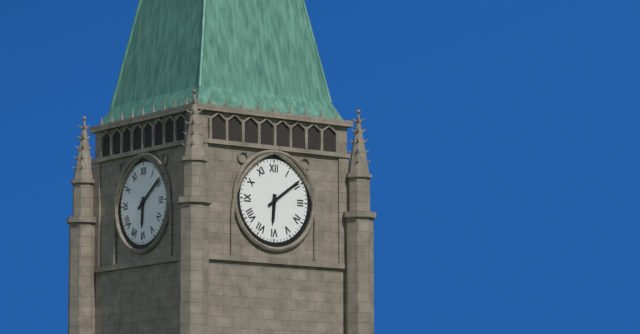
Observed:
{"hour": 6, "minute": 9}
